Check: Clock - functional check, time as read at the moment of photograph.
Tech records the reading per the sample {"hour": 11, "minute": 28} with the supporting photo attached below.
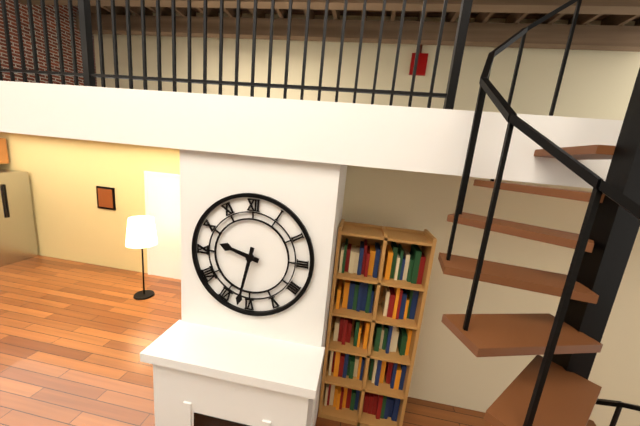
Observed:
{"hour": 9, "minute": 32}
